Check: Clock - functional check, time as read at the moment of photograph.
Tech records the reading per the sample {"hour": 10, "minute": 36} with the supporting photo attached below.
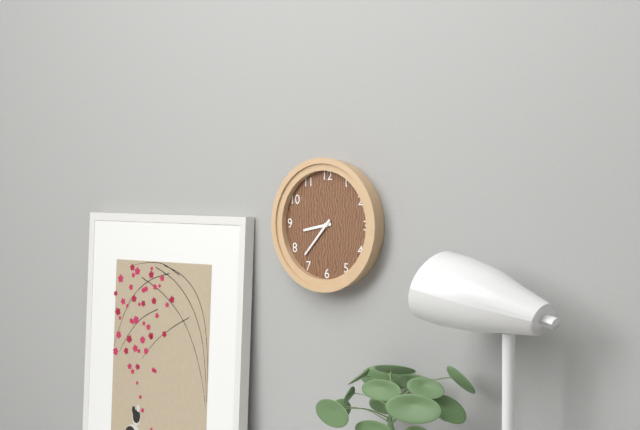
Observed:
{"hour": 8, "minute": 37}
